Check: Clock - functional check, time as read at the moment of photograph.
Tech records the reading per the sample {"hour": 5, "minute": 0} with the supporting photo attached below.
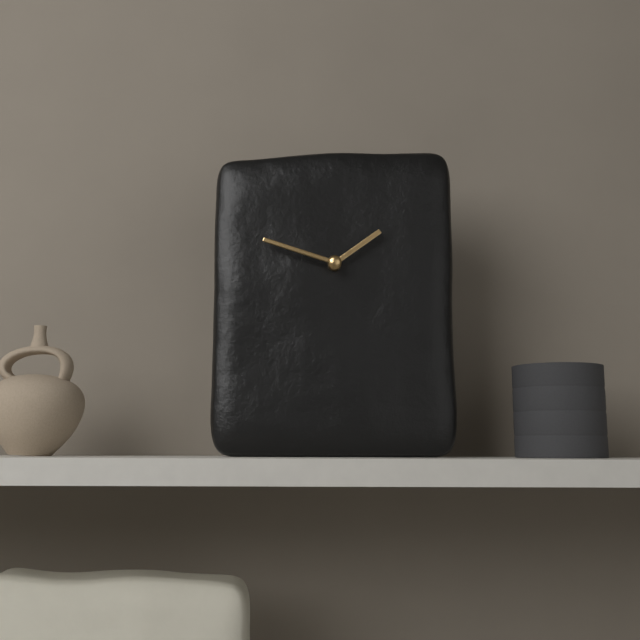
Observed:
{"hour": 1, "minute": 48}
